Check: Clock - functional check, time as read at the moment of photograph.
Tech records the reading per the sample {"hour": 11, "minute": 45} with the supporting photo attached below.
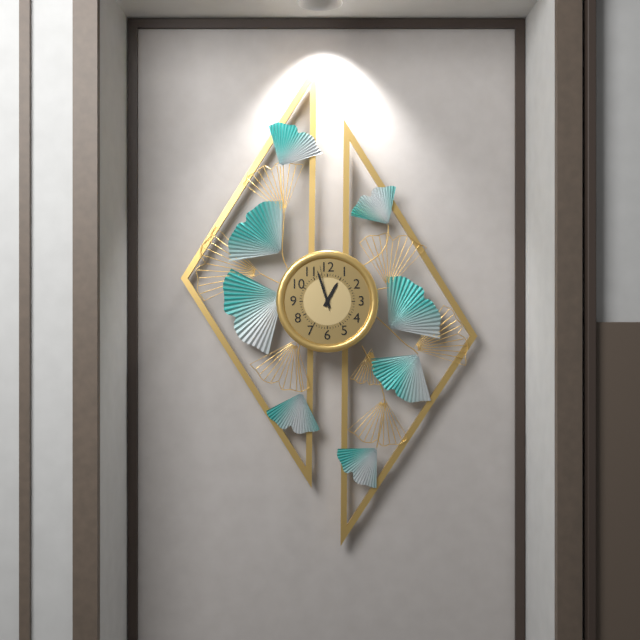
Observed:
{"hour": 12, "minute": 57}
